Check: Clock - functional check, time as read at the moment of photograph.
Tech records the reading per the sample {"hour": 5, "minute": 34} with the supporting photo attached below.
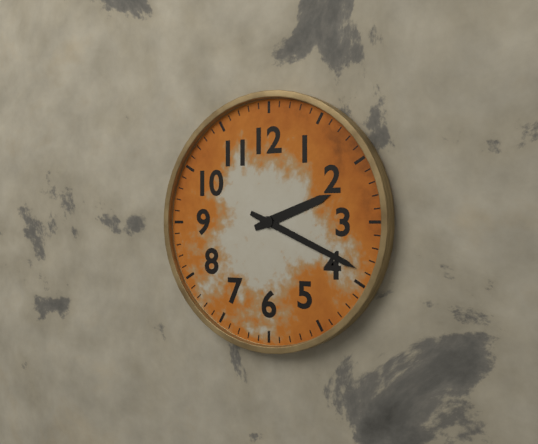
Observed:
{"hour": 2, "minute": 19}
